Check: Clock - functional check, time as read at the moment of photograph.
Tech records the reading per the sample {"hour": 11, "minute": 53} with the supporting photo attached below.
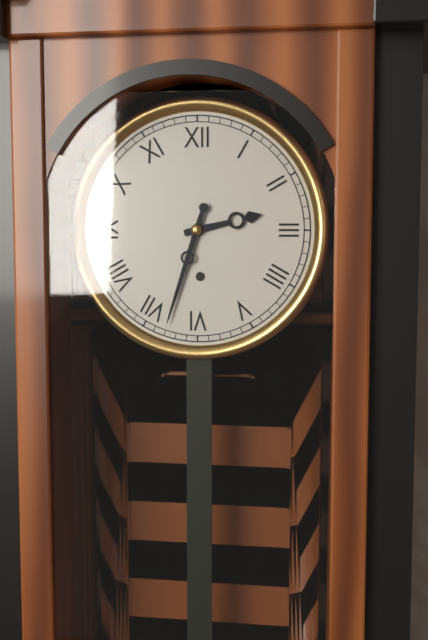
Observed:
{"hour": 2, "minute": 33}
